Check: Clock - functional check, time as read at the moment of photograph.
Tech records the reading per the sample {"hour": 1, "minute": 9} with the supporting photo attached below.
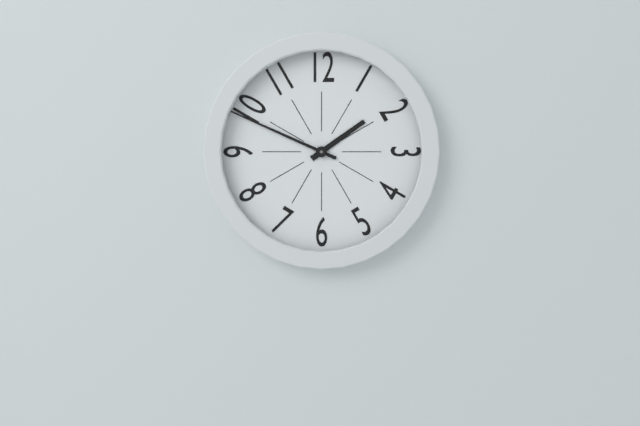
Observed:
{"hour": 1, "minute": 49}
